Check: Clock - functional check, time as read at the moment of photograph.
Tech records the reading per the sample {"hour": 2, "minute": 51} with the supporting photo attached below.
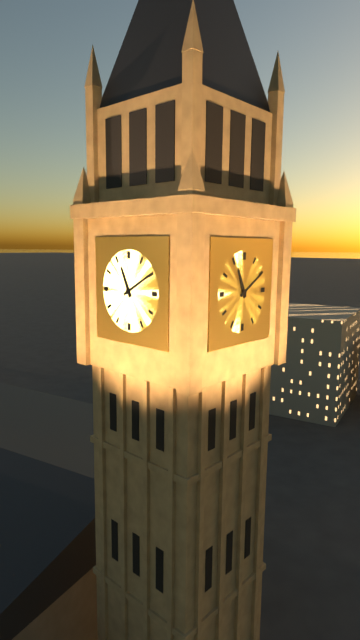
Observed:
{"hour": 11, "minute": 10}
